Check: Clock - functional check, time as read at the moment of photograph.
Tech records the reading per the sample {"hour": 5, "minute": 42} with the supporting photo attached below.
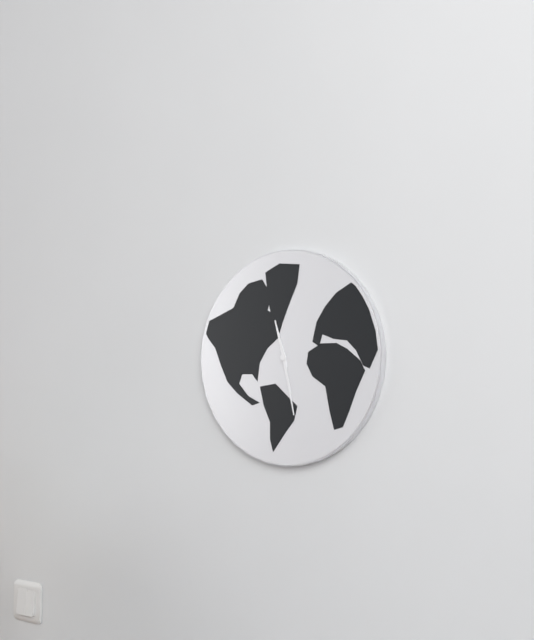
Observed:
{"hour": 11, "minute": 28}
